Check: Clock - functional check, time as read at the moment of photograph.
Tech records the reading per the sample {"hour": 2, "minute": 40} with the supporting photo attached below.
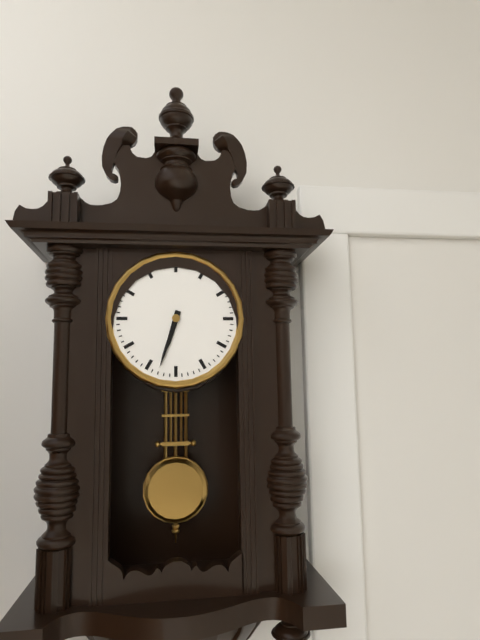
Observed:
{"hour": 6, "minute": 33}
